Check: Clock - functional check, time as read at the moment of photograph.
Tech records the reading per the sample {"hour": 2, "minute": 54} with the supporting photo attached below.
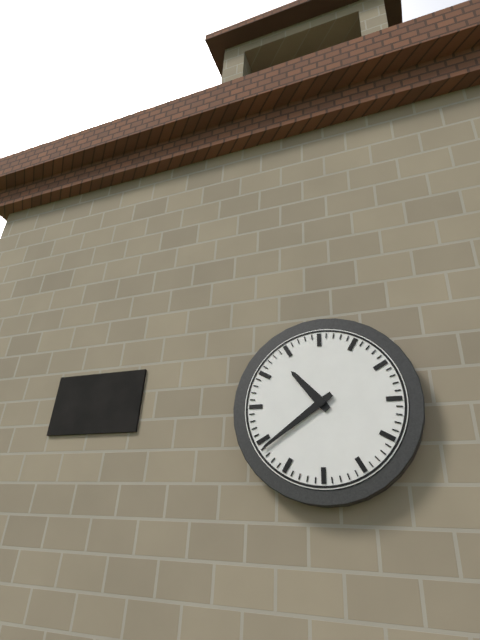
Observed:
{"hour": 10, "minute": 39}
